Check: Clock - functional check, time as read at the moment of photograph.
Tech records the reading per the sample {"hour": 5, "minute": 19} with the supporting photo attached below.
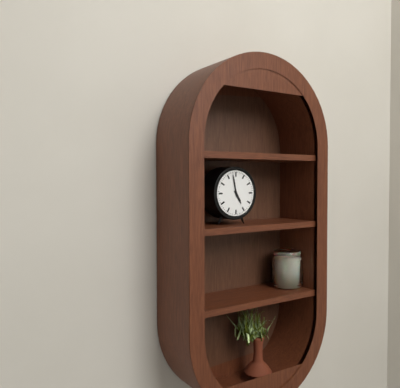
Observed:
{"hour": 4, "minute": 58}
